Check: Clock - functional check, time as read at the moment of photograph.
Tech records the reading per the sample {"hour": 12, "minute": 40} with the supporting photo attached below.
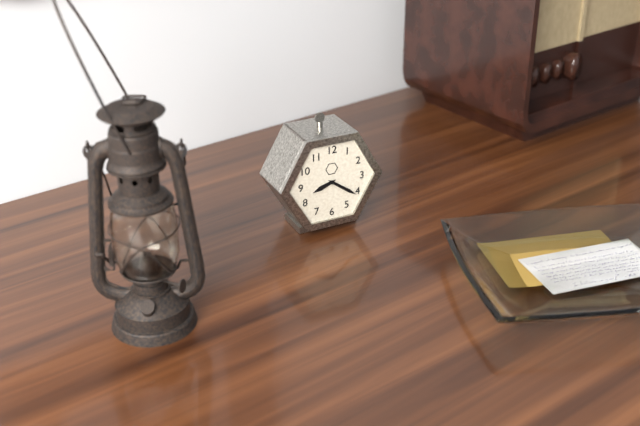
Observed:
{"hour": 8, "minute": 21}
